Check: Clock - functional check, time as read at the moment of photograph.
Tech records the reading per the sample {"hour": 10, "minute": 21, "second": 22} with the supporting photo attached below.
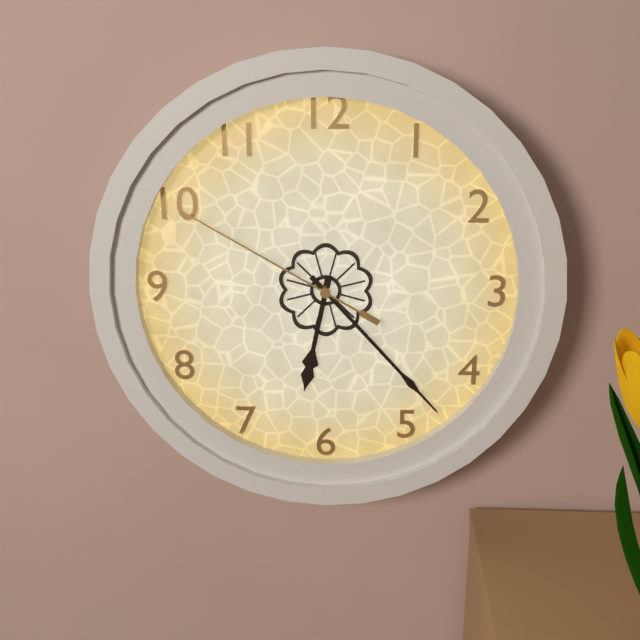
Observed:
{"hour": 6, "minute": 23, "second": 50}
